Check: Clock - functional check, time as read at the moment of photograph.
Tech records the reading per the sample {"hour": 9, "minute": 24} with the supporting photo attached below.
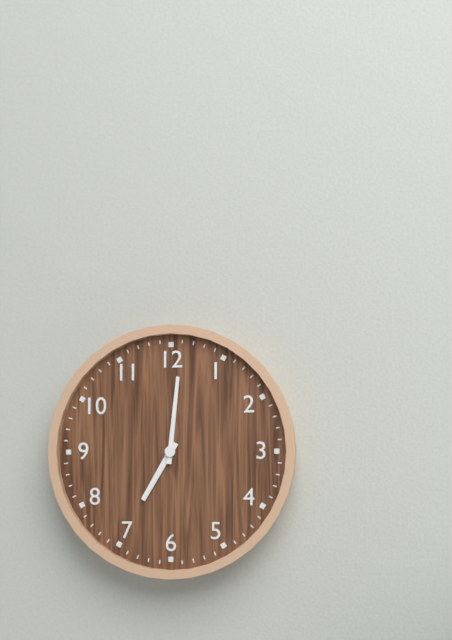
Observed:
{"hour": 7, "minute": 1}
